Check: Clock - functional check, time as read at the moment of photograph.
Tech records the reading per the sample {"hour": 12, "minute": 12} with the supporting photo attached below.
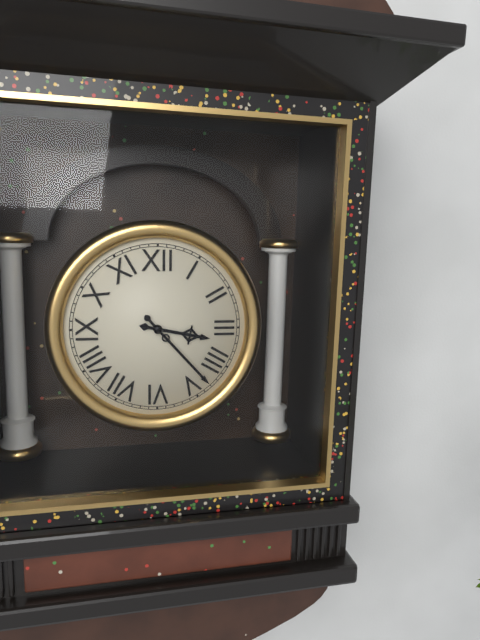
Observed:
{"hour": 3, "minute": 23}
